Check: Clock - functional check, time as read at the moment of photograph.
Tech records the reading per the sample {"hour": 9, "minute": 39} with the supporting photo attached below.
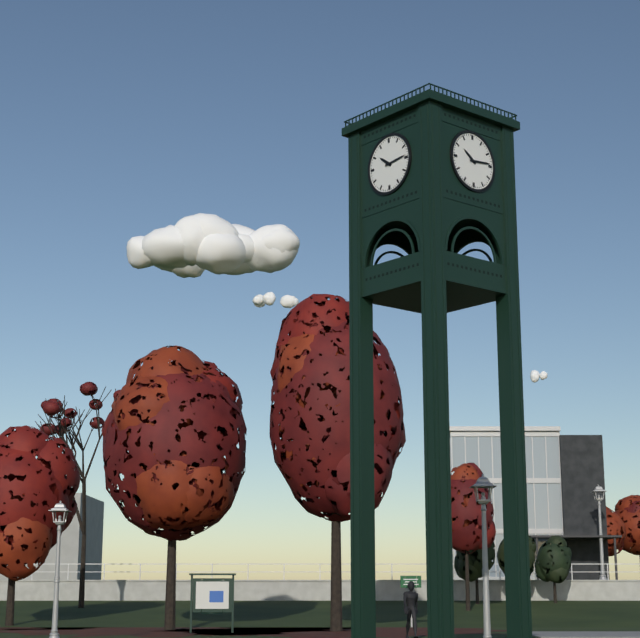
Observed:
{"hour": 10, "minute": 14}
